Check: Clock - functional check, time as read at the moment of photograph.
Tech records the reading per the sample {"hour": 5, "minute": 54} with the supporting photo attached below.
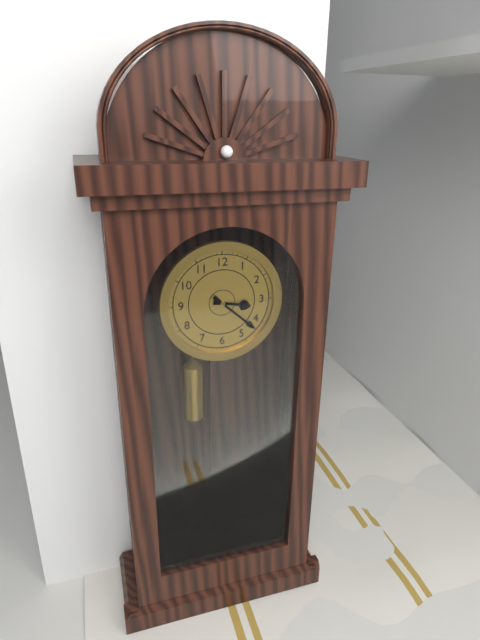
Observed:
{"hour": 3, "minute": 22}
